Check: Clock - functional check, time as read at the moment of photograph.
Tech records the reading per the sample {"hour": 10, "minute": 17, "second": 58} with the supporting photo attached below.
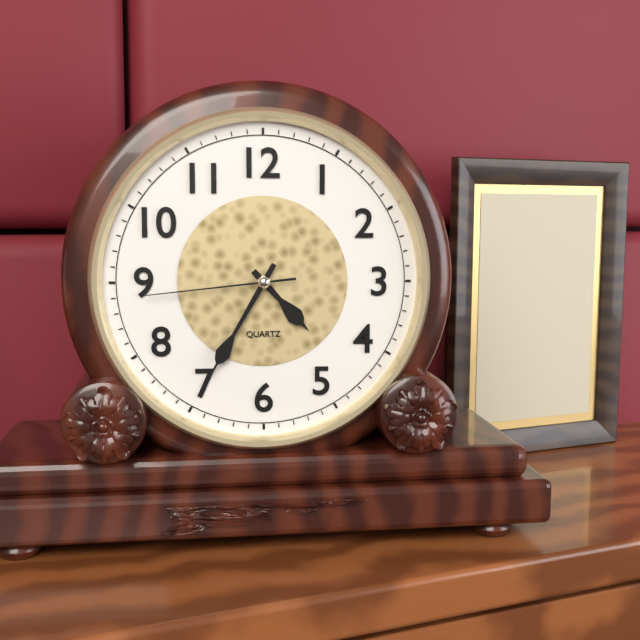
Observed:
{"hour": 4, "minute": 35, "second": 44}
